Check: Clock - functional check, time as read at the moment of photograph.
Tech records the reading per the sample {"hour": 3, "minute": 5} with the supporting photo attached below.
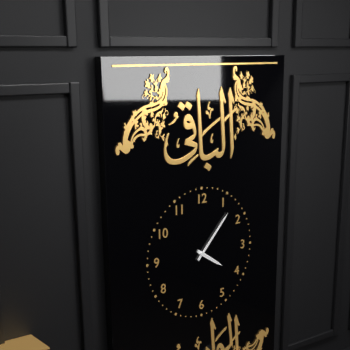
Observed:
{"hour": 4, "minute": 7}
